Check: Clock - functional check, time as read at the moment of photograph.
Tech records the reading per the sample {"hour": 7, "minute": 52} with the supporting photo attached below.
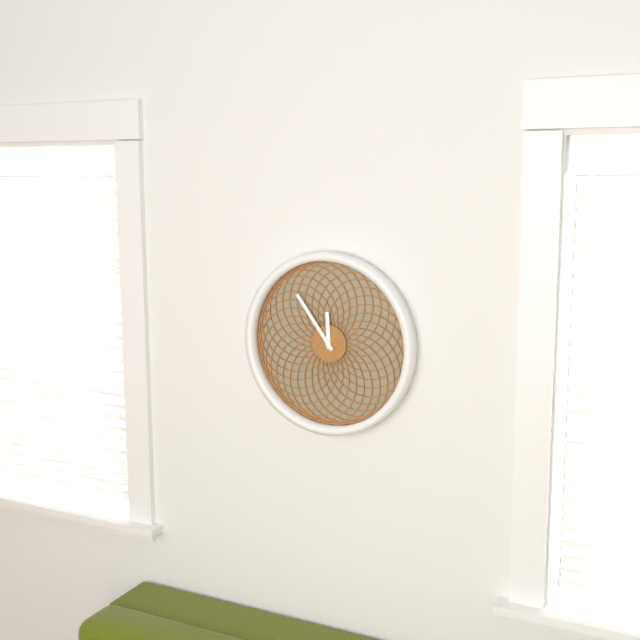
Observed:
{"hour": 11, "minute": 54}
